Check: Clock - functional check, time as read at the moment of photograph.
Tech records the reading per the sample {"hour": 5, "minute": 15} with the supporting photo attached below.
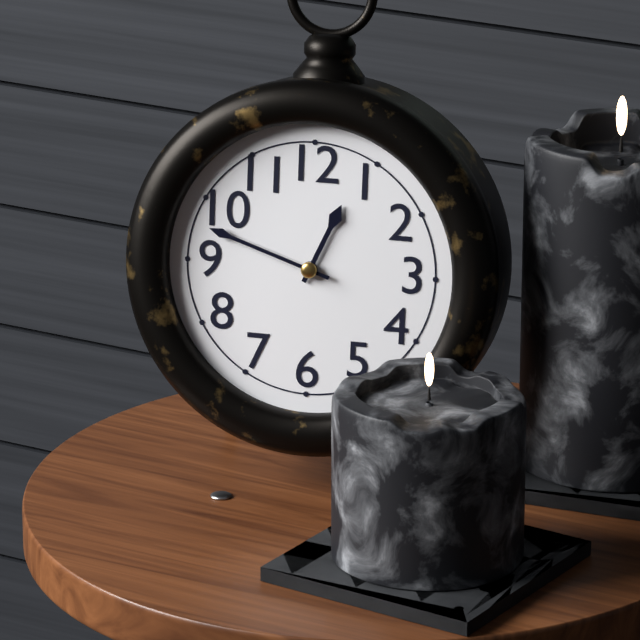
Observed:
{"hour": 12, "minute": 48}
